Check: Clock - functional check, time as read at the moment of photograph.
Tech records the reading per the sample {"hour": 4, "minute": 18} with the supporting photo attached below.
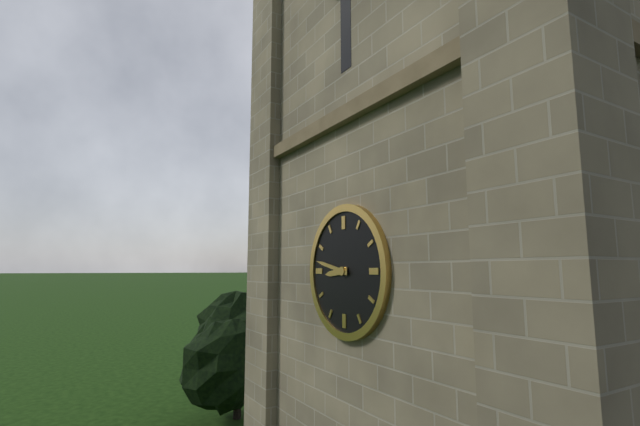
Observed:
{"hour": 8, "minute": 47}
